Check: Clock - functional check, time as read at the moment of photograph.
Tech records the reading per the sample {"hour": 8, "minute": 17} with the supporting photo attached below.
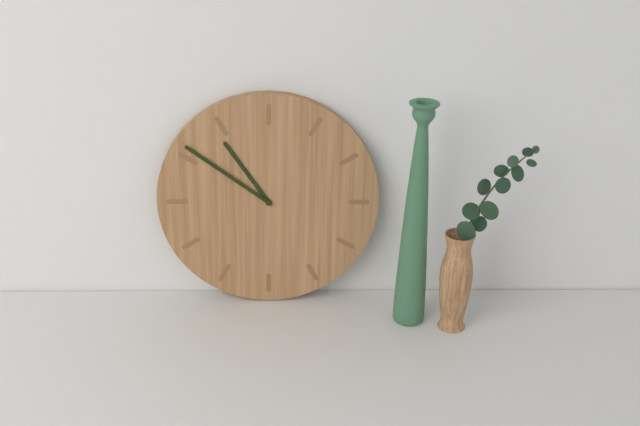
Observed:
{"hour": 10, "minute": 51}
